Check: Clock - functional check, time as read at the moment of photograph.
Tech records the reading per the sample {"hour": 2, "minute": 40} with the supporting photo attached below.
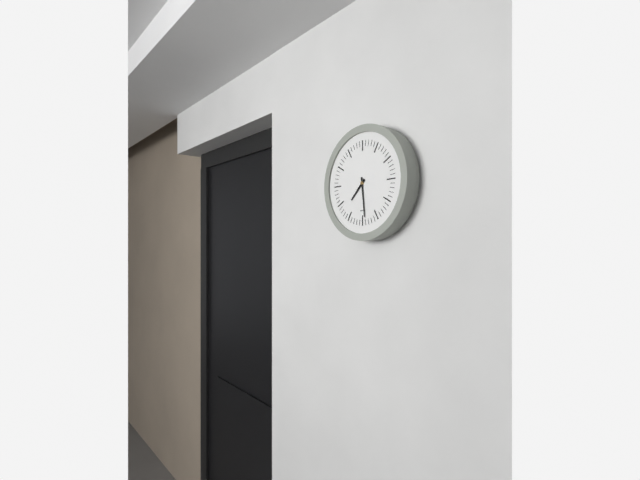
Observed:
{"hour": 7, "minute": 29}
